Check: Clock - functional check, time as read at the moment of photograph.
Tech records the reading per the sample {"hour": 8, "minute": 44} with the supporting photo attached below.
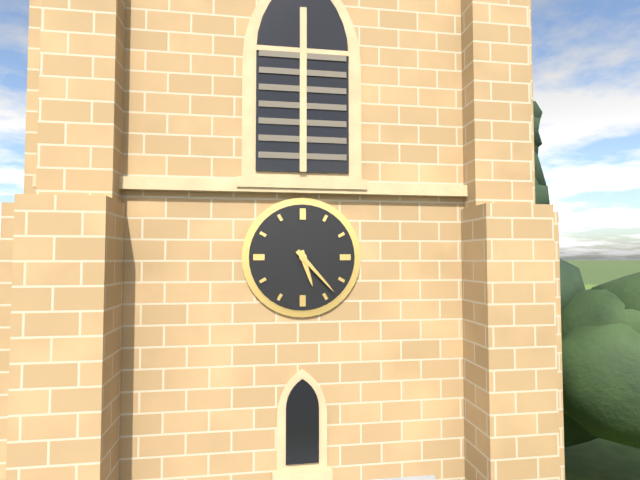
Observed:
{"hour": 5, "minute": 23}
